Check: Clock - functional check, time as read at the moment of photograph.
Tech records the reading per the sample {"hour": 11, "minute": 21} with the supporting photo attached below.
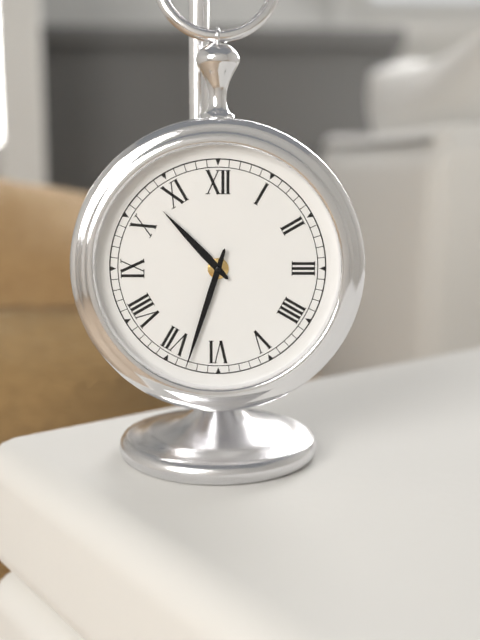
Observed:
{"hour": 10, "minute": 33}
